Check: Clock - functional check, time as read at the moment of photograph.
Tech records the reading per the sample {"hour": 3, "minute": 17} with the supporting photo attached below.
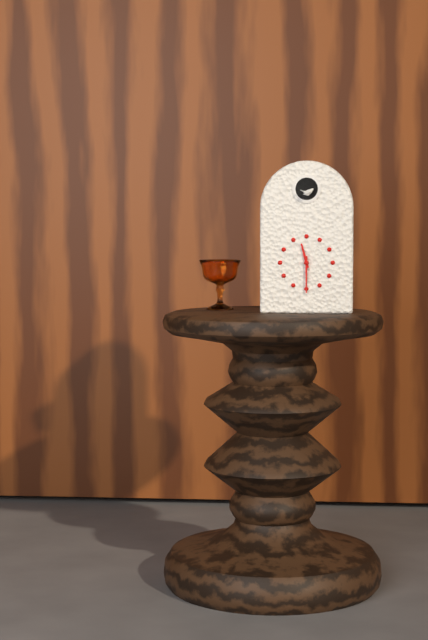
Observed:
{"hour": 11, "minute": 30}
